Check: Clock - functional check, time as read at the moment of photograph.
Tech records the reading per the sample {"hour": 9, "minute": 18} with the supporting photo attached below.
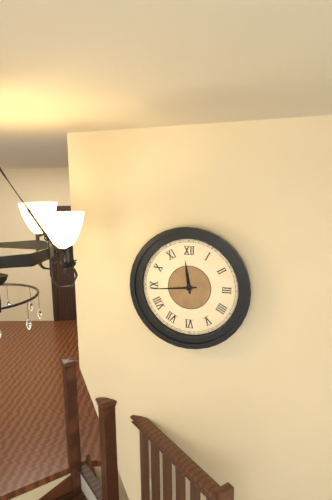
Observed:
{"hour": 11, "minute": 44}
